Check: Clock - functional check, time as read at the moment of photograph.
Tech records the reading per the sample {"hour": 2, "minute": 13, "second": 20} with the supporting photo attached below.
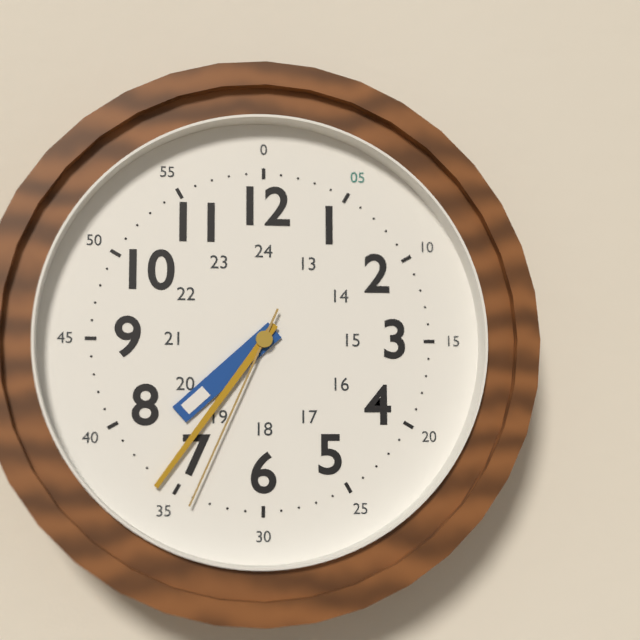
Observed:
{"hour": 7, "minute": 36, "second": 34}
